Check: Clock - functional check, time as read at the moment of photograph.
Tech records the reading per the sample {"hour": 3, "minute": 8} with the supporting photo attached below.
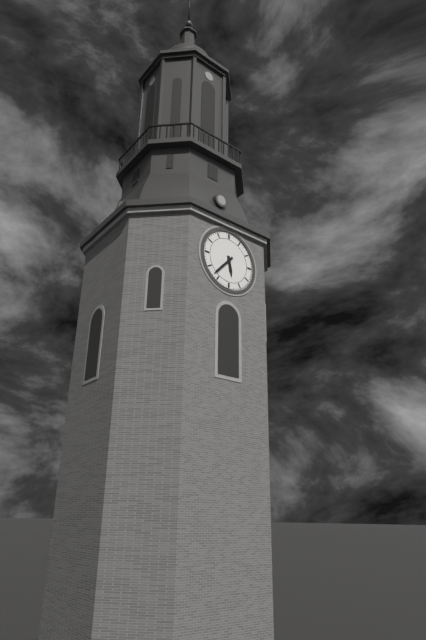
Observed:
{"hour": 5, "minute": 37}
